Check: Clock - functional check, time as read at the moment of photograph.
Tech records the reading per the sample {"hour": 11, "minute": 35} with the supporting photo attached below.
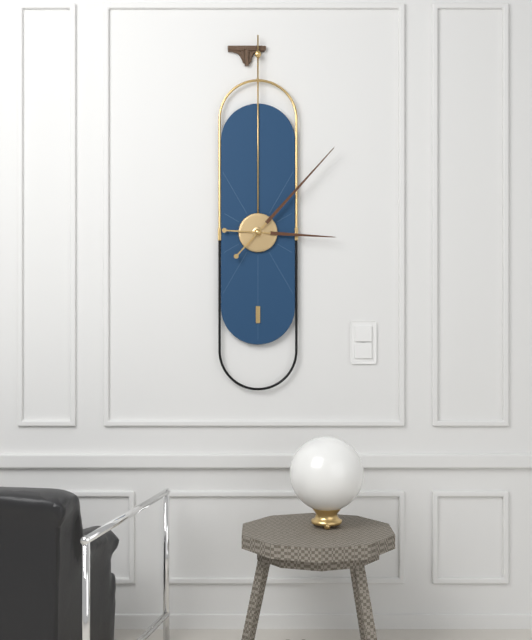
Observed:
{"hour": 3, "minute": 7}
